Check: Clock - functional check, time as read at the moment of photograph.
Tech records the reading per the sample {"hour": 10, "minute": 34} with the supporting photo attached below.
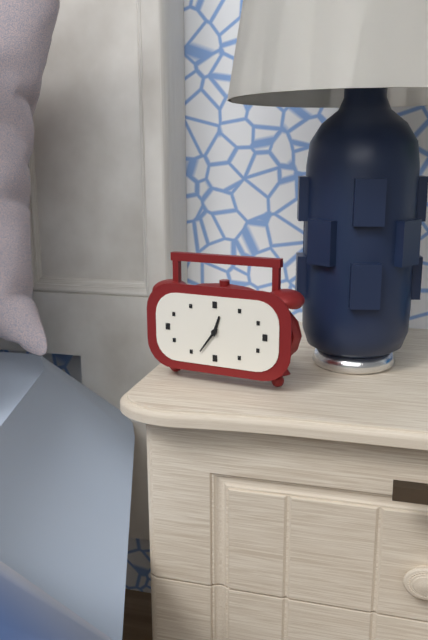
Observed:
{"hour": 12, "minute": 36}
